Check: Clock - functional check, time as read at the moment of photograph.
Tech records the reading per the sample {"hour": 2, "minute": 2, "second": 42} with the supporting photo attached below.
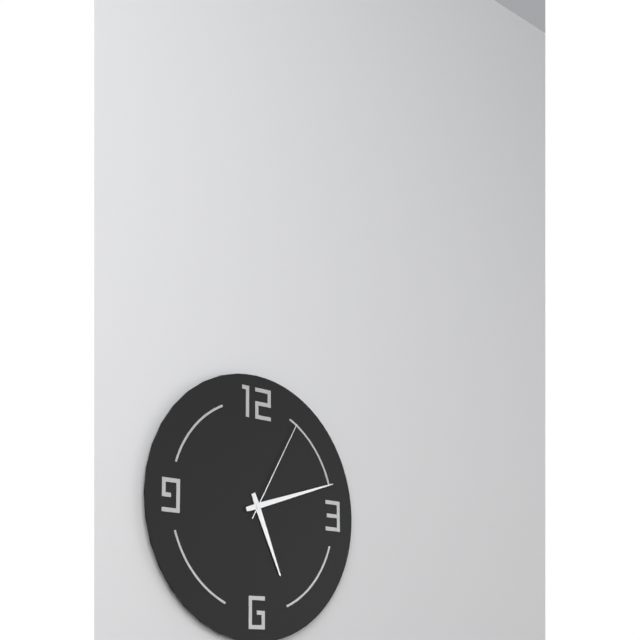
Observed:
{"hour": 5, "minute": 12, "second": 5}
